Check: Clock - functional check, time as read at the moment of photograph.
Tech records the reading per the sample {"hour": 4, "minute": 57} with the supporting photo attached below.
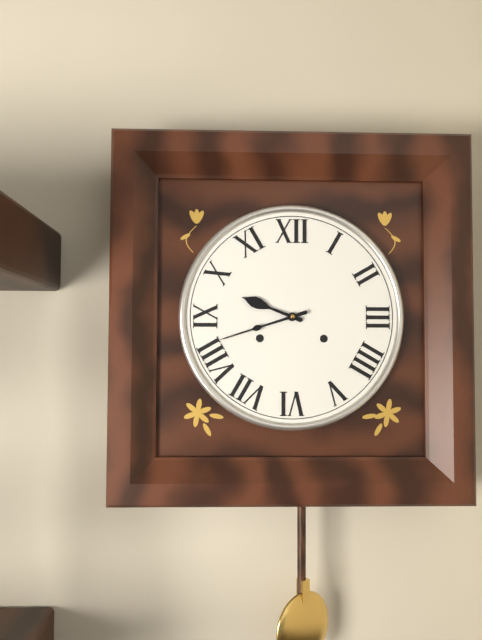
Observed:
{"hour": 9, "minute": 42}
